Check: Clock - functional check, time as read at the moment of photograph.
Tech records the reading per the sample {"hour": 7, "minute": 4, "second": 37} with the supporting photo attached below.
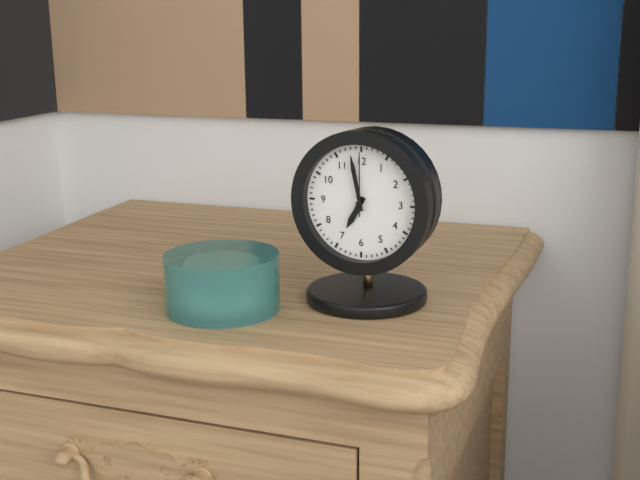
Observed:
{"hour": 6, "minute": 58, "second": 0}
